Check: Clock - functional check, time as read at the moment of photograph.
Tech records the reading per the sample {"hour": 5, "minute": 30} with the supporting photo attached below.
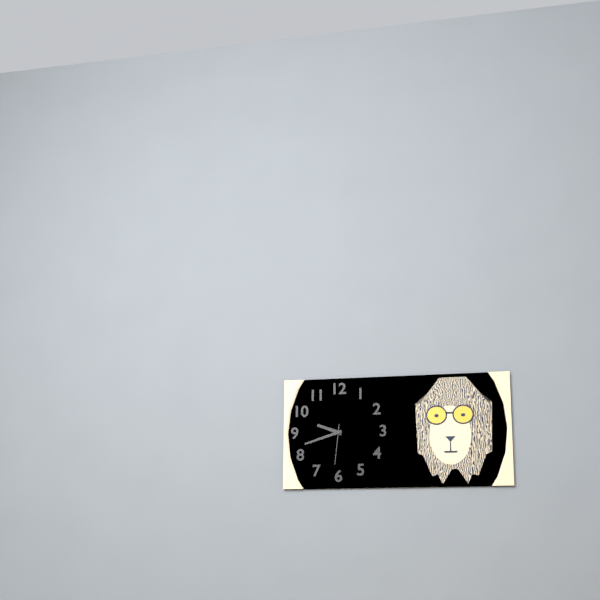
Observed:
{"hour": 9, "minute": 42}
